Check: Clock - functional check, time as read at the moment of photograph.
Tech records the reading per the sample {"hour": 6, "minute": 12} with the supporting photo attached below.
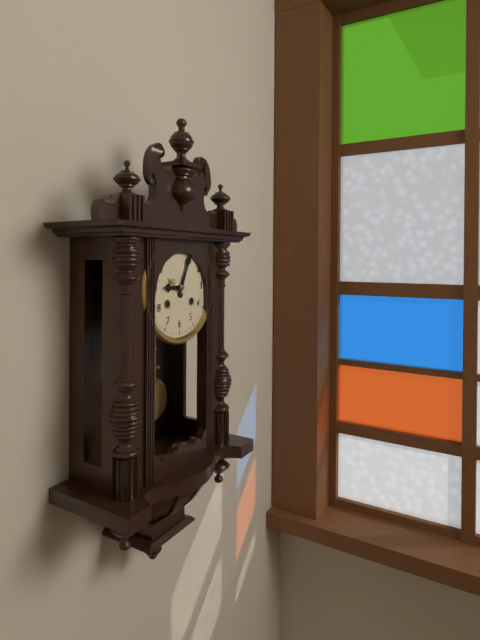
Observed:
{"hour": 9, "minute": 4}
